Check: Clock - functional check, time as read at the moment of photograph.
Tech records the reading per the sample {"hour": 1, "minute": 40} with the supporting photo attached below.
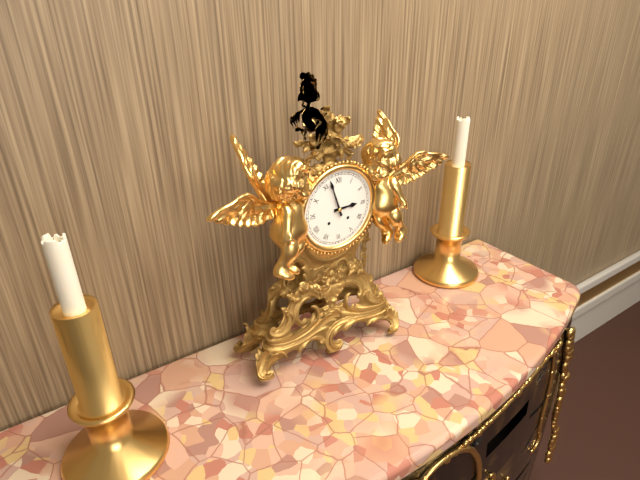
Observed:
{"hour": 2, "minute": 57}
